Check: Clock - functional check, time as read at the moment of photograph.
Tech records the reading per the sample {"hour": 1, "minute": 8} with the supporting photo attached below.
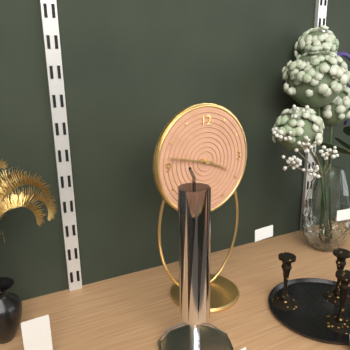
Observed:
{"hour": 3, "minute": 47}
